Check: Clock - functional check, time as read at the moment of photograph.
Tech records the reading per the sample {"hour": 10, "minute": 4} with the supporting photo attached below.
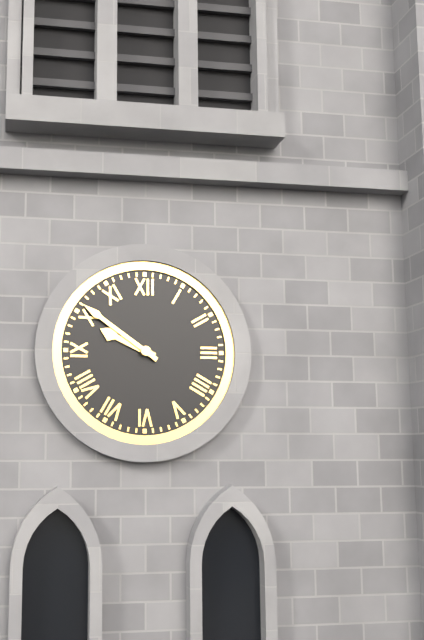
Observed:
{"hour": 9, "minute": 51}
